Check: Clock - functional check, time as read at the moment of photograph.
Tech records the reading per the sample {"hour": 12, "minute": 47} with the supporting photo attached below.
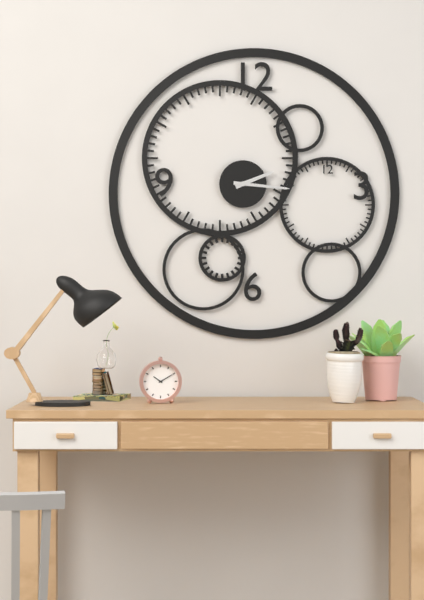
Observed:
{"hour": 2, "minute": 16}
